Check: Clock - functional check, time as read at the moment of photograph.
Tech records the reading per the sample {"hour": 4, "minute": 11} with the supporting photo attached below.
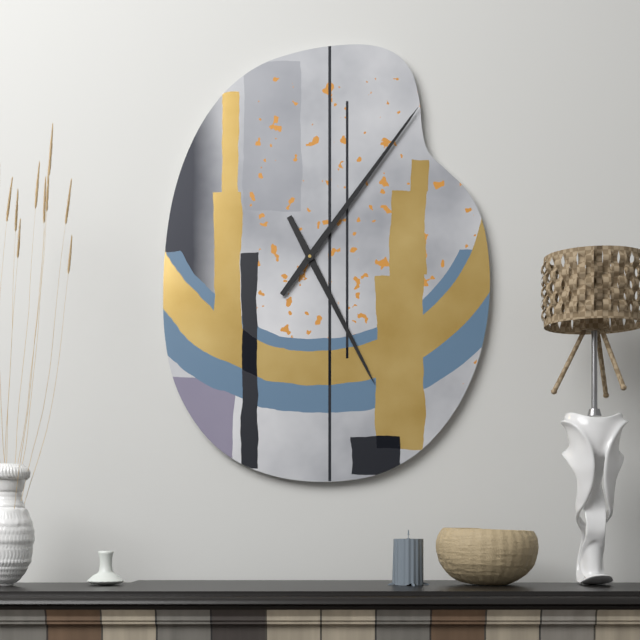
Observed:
{"hour": 5, "minute": 6}
